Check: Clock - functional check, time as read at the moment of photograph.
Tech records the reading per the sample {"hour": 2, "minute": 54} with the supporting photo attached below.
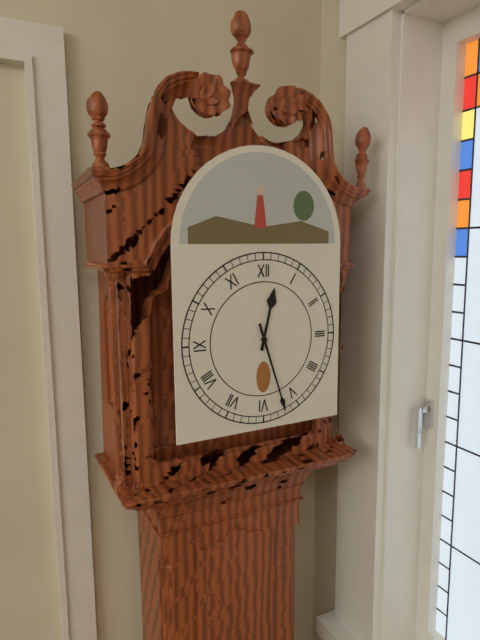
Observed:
{"hour": 12, "minute": 27}
